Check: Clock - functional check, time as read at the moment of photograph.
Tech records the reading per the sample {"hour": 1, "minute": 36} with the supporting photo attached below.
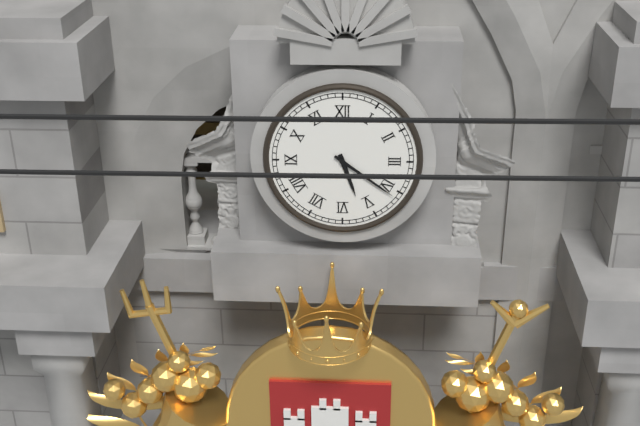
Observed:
{"hour": 5, "minute": 21}
